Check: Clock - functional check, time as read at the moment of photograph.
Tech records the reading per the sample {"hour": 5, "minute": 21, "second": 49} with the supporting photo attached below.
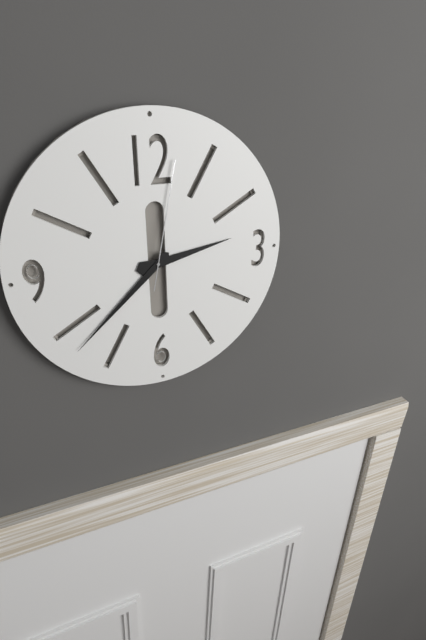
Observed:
{"hour": 2, "minute": 38, "second": 2}
